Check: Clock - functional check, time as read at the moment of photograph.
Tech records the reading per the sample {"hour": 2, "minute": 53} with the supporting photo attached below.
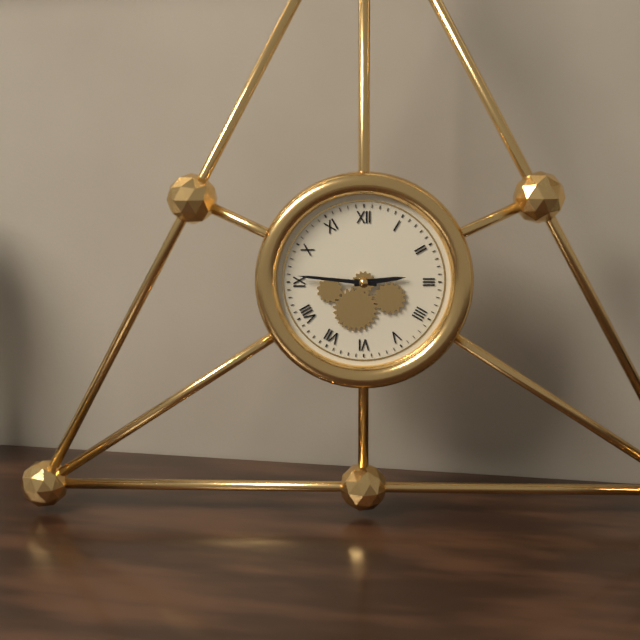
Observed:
{"hour": 2, "minute": 46}
